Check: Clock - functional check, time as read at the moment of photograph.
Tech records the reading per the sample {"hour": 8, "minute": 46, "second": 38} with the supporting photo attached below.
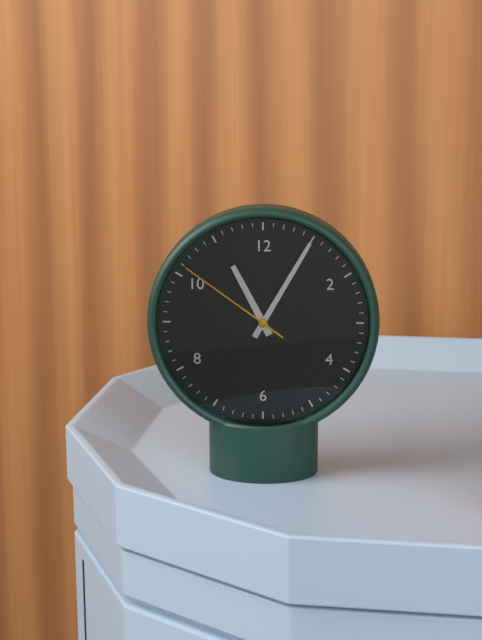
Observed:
{"hour": 11, "minute": 5, "second": 51}
